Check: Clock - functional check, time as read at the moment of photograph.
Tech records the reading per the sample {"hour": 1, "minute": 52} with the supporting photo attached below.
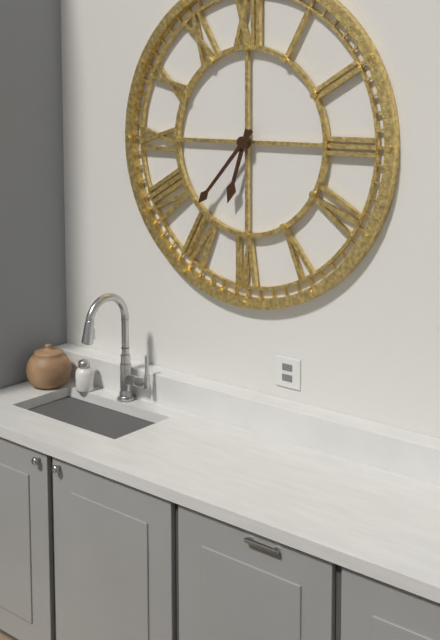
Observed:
{"hour": 6, "minute": 37}
